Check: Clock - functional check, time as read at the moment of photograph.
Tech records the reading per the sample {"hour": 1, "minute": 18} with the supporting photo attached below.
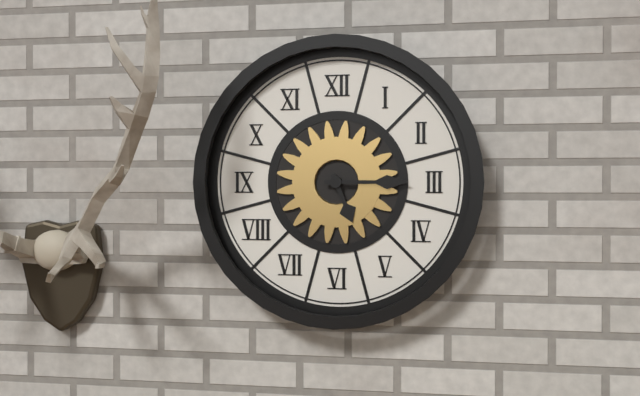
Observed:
{"hour": 5, "minute": 15}
